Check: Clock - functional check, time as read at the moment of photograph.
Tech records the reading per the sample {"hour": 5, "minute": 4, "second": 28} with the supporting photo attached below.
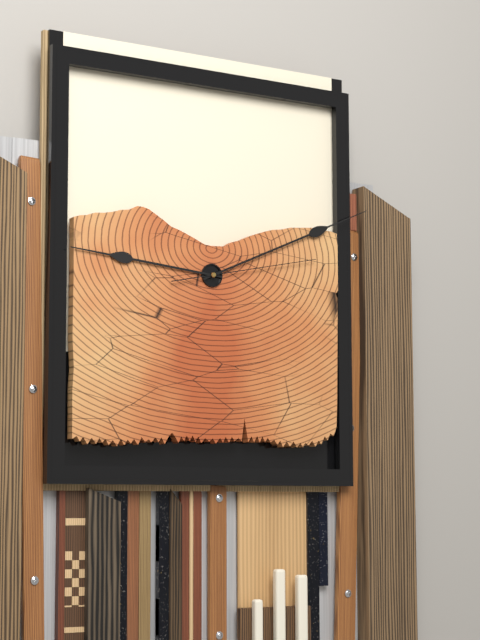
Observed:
{"hour": 9, "minute": 11, "second": 13}
